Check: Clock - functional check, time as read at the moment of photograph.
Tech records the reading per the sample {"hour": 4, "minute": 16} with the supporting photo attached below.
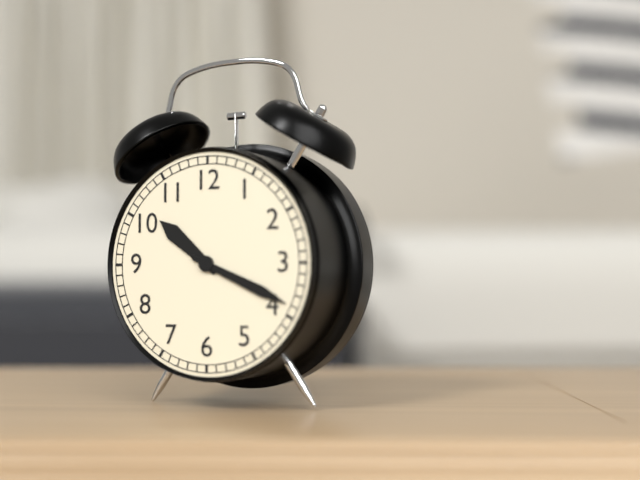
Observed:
{"hour": 10, "minute": 19}
